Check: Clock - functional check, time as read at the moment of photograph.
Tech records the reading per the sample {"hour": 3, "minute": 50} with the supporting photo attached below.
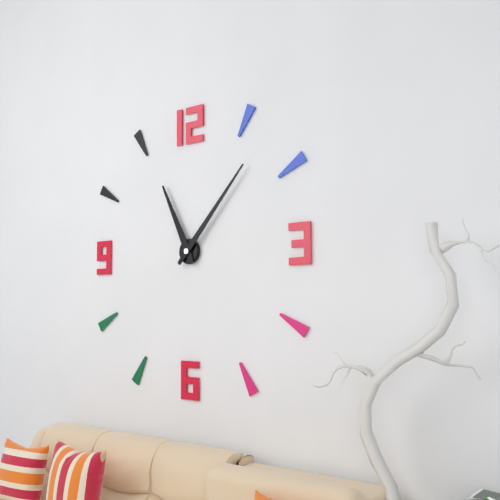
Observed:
{"hour": 11, "minute": 7}
